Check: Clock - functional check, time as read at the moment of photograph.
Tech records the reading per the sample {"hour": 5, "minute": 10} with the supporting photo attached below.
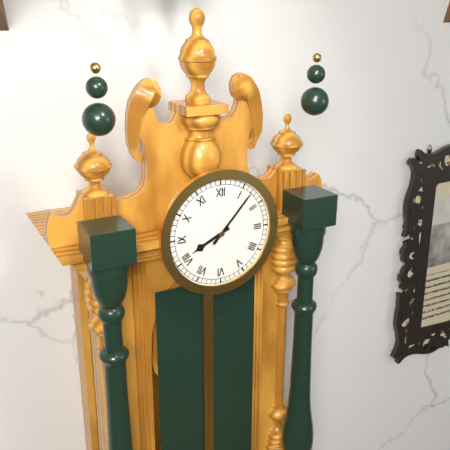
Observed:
{"hour": 8, "minute": 7}
